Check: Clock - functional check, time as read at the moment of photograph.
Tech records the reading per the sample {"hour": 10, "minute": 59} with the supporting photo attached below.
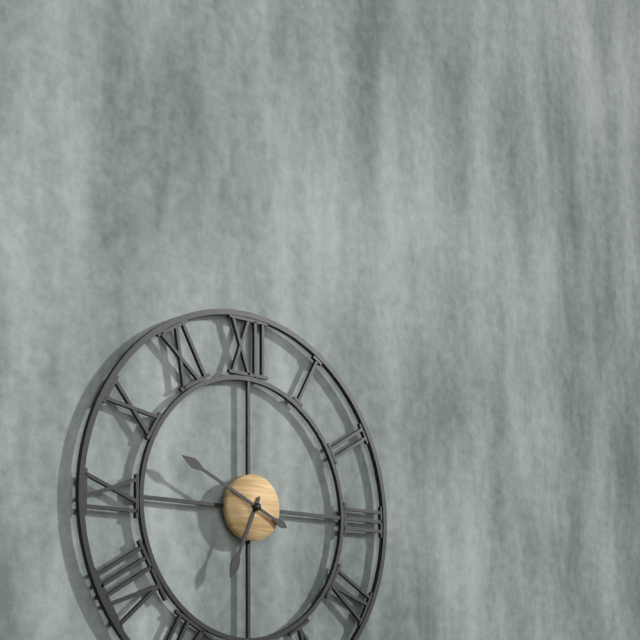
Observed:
{"hour": 6, "minute": 49}
